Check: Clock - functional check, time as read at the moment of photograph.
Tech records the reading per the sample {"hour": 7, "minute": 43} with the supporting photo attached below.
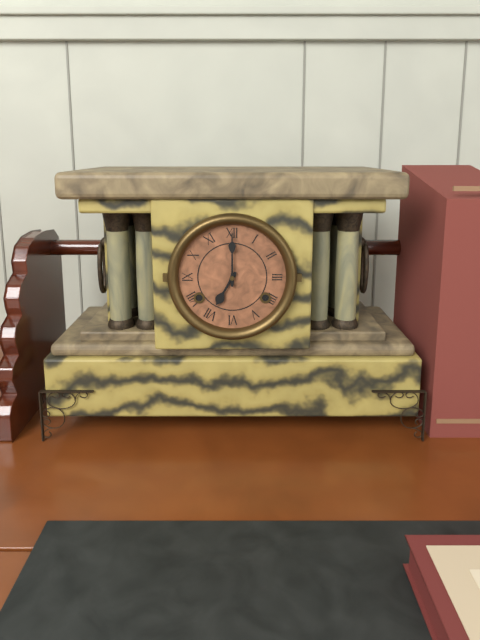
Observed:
{"hour": 7, "minute": 0}
